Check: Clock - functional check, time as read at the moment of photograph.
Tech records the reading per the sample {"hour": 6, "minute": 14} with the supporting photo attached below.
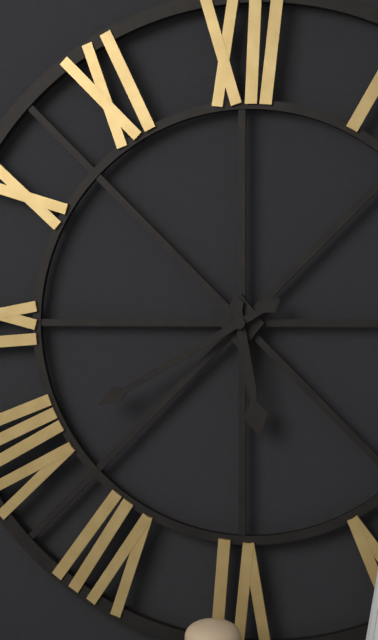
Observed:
{"hour": 5, "minute": 40}
